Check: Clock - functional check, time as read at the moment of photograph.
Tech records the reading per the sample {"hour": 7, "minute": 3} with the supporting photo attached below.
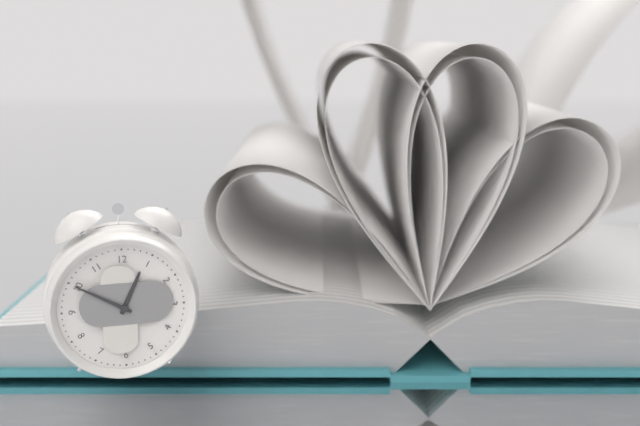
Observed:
{"hour": 12, "minute": 50}
